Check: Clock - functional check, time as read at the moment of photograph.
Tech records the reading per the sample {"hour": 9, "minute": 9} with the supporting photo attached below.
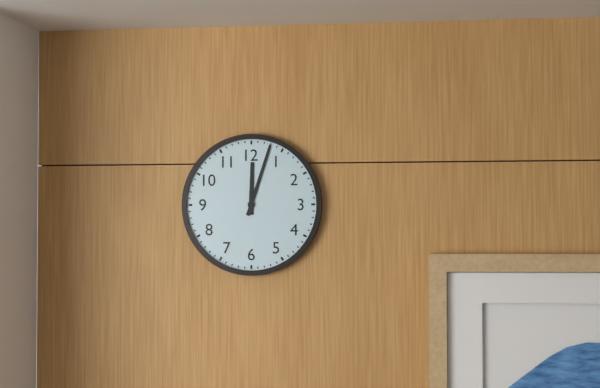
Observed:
{"hour": 12, "minute": 3}
